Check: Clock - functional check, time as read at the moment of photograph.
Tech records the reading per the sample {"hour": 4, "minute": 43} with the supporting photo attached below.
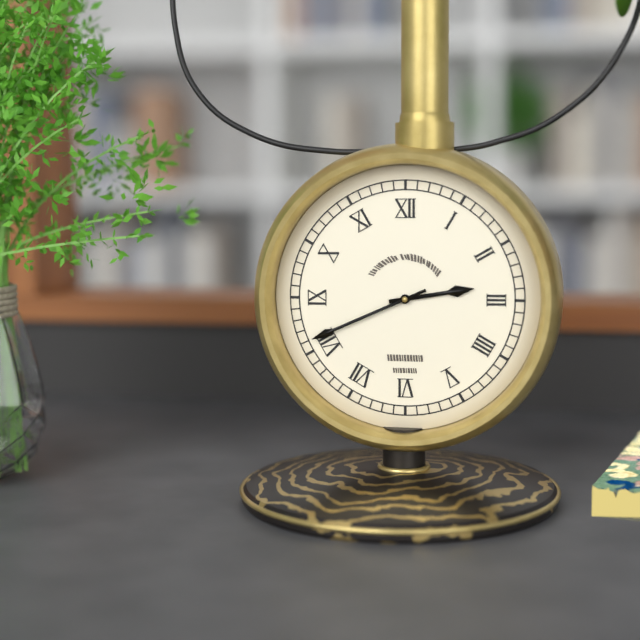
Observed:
{"hour": 2, "minute": 41}
